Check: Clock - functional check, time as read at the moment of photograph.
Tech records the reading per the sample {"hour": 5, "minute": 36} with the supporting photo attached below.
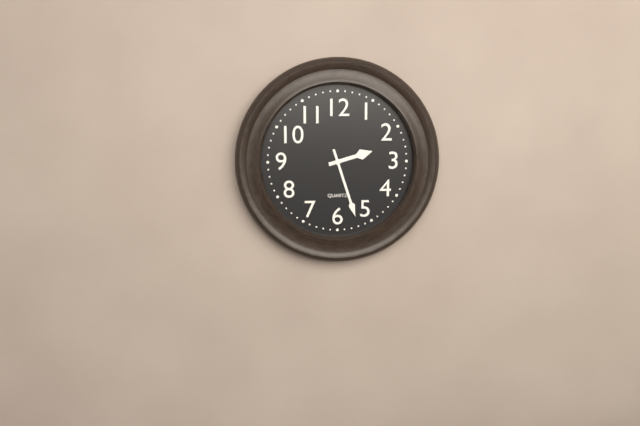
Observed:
{"hour": 2, "minute": 27}
